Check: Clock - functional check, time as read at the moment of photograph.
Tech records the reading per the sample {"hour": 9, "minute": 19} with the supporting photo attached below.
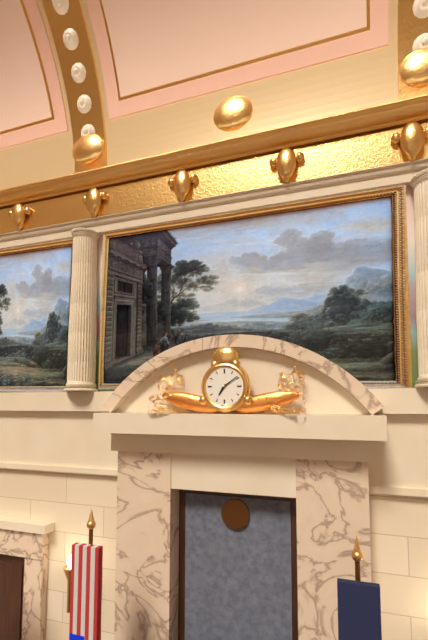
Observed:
{"hour": 7, "minute": 9}
